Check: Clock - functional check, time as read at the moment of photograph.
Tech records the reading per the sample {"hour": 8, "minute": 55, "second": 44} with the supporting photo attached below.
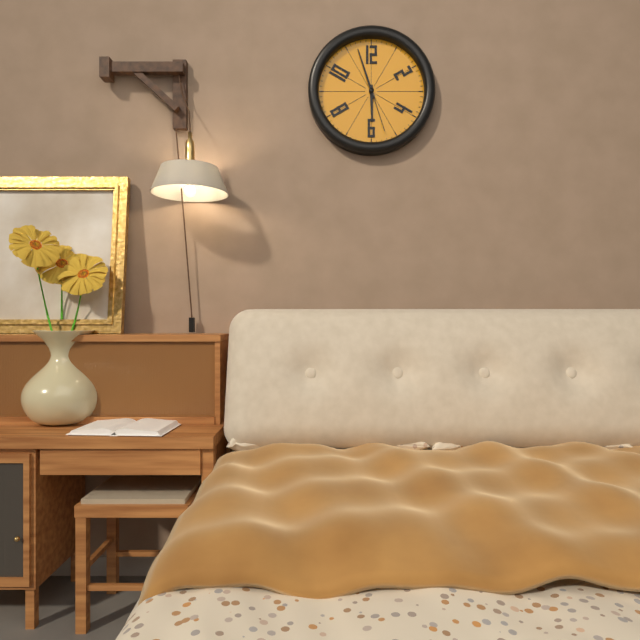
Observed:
{"hour": 5, "minute": 57, "second": 27}
